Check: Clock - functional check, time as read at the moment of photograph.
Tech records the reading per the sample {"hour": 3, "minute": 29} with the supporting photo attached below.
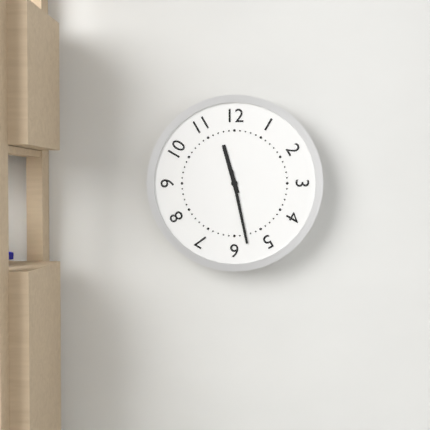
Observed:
{"hour": 11, "minute": 28}
